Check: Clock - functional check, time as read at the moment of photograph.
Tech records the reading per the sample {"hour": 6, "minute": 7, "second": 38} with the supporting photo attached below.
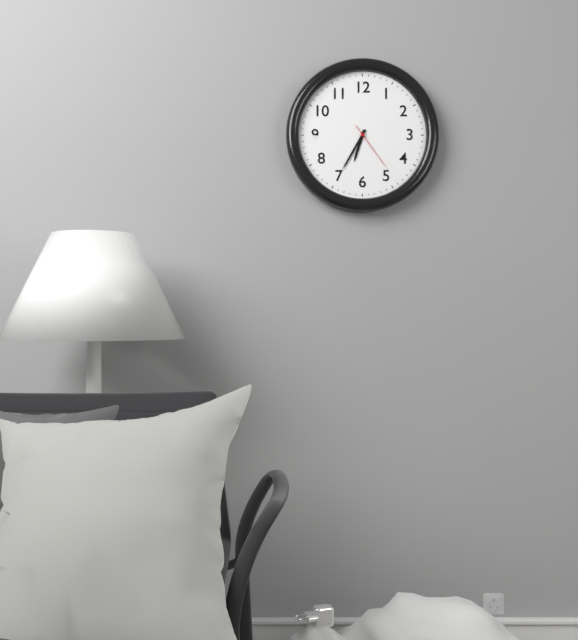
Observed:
{"hour": 6, "minute": 35, "second": 24}
